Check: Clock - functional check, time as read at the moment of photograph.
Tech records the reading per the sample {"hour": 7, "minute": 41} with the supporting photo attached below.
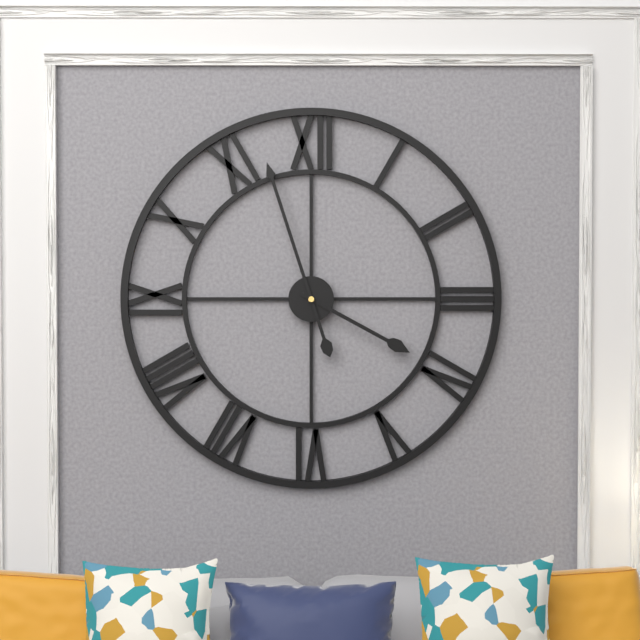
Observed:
{"hour": 3, "minute": 57}
